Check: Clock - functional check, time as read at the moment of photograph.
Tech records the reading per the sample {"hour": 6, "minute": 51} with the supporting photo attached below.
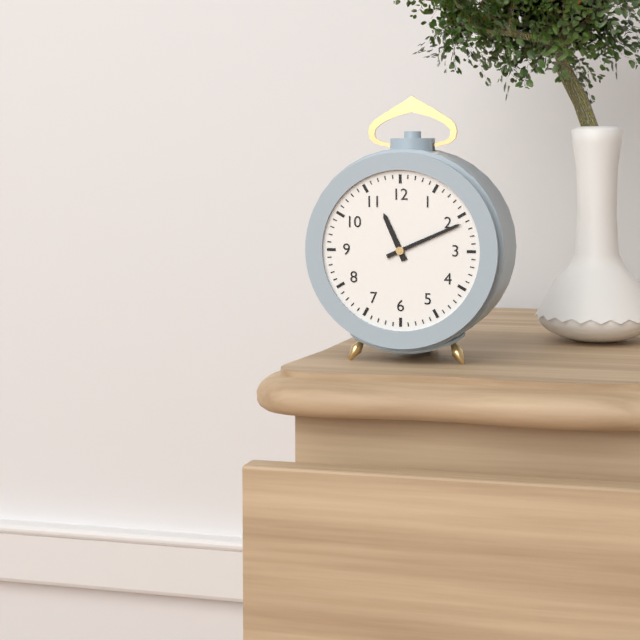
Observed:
{"hour": 11, "minute": 11}
